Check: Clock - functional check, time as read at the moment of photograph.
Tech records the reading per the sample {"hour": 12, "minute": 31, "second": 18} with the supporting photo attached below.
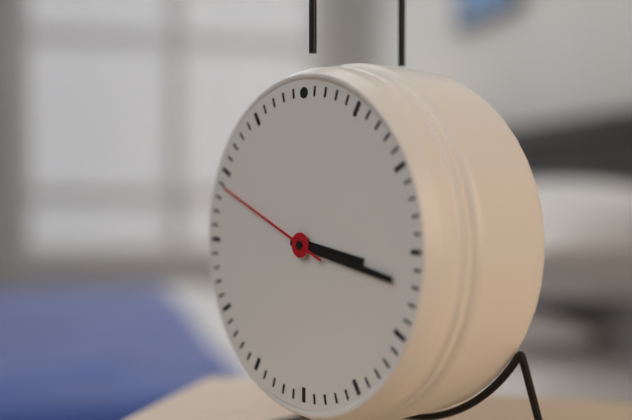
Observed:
{"hour": 3, "minute": 17, "second": 49}
